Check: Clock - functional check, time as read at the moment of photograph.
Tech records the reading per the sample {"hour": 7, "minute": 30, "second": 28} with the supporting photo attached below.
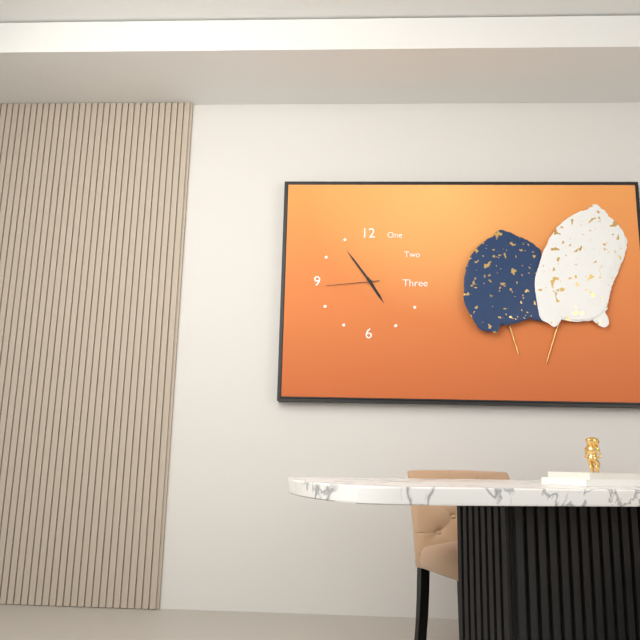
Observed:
{"hour": 4, "minute": 54, "second": 44}
